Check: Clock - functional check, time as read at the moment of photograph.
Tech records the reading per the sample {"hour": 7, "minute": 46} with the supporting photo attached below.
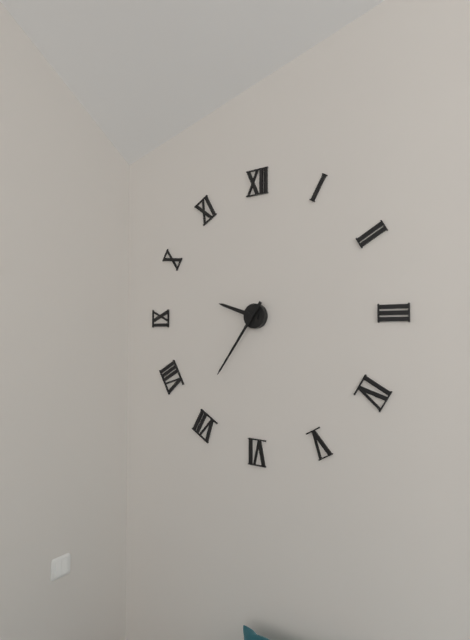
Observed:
{"hour": 9, "minute": 36}
